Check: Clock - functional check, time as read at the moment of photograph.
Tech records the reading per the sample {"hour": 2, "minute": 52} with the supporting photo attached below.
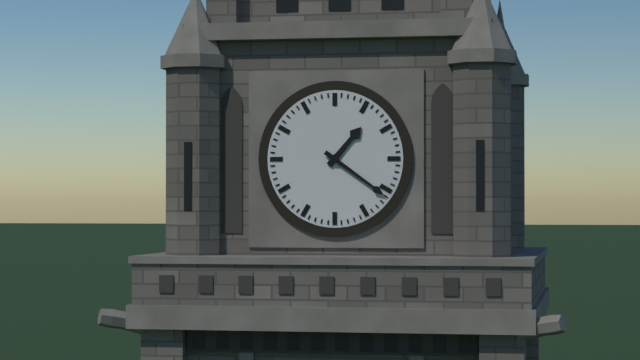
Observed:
{"hour": 1, "minute": 21}
